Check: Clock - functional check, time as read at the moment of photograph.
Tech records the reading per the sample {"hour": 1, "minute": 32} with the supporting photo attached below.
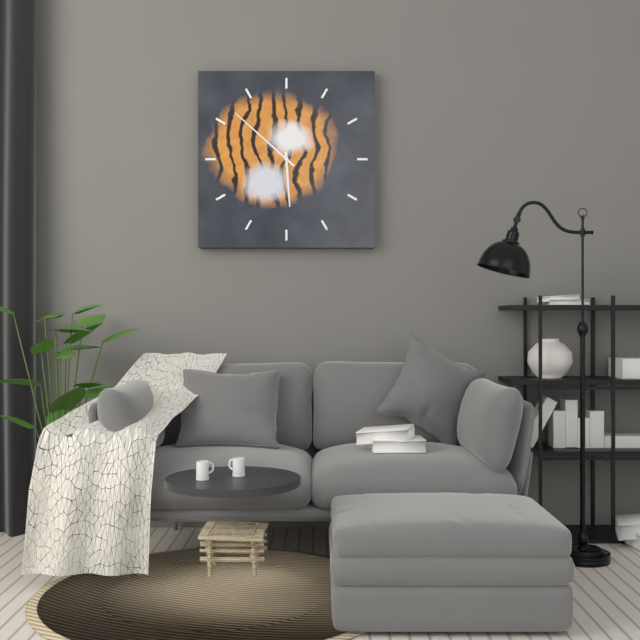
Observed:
{"hour": 5, "minute": 52}
